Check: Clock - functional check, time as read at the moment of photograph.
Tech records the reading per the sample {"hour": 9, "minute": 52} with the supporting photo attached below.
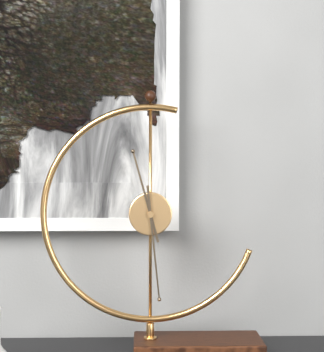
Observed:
{"hour": 11, "minute": 29}
